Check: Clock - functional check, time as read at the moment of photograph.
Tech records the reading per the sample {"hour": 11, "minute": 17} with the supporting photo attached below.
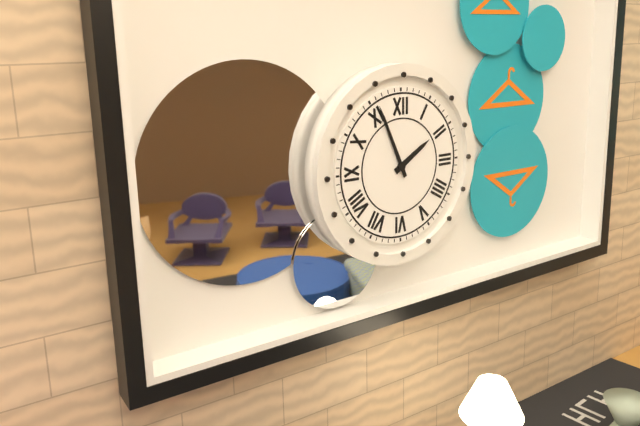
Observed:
{"hour": 1, "minute": 56}
